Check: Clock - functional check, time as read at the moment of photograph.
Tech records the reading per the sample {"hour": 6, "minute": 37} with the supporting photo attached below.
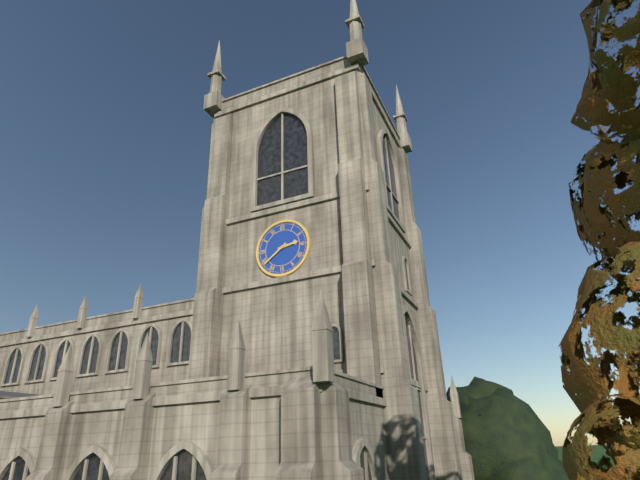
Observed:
{"hour": 2, "minute": 39}
